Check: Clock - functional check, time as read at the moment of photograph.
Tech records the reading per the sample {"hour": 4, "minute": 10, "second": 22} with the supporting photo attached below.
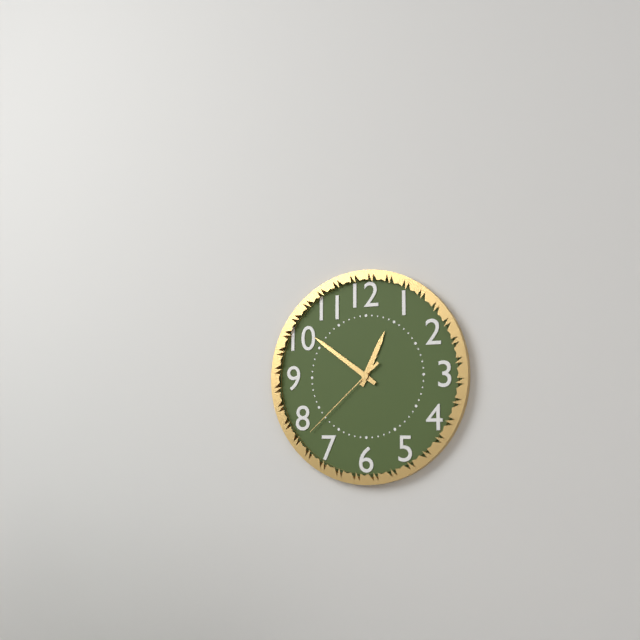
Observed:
{"hour": 12, "minute": 51, "second": 38}
